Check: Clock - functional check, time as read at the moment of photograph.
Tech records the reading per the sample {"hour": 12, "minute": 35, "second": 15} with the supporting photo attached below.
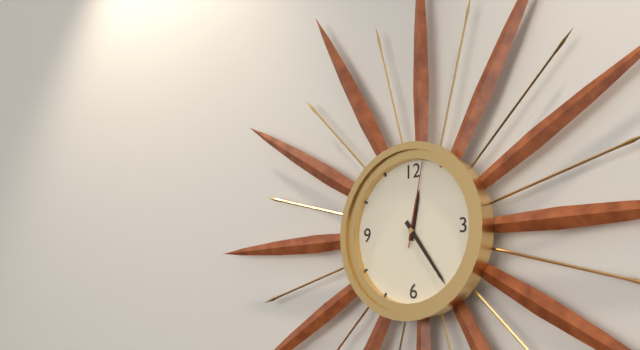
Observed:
{"hour": 12, "minute": 24, "second": 2}
